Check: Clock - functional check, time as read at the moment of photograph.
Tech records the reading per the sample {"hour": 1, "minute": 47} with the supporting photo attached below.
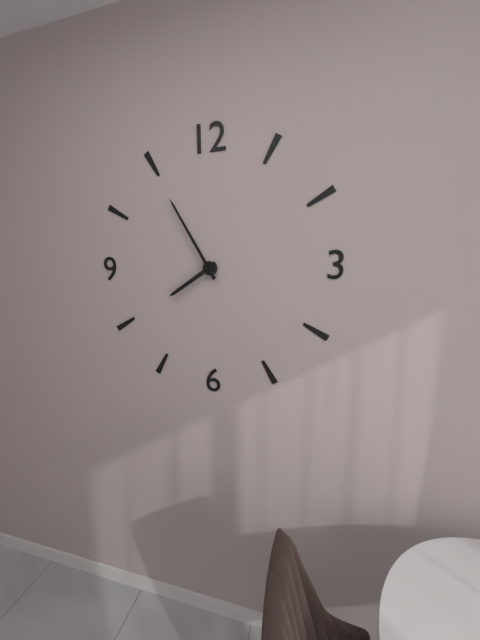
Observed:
{"hour": 7, "minute": 55}
